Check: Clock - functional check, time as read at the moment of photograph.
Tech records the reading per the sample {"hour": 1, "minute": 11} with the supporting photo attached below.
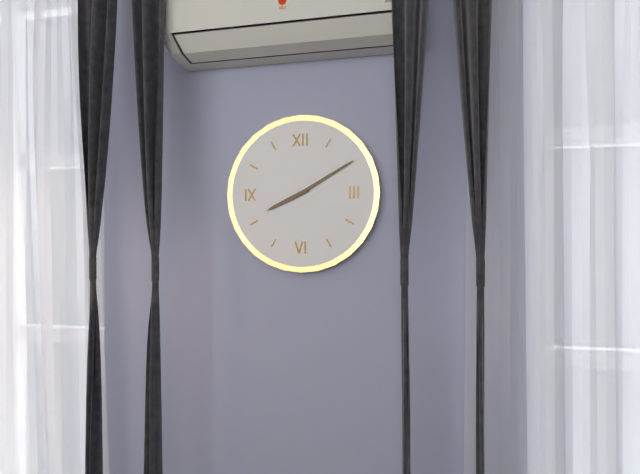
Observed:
{"hour": 8, "minute": 10}
